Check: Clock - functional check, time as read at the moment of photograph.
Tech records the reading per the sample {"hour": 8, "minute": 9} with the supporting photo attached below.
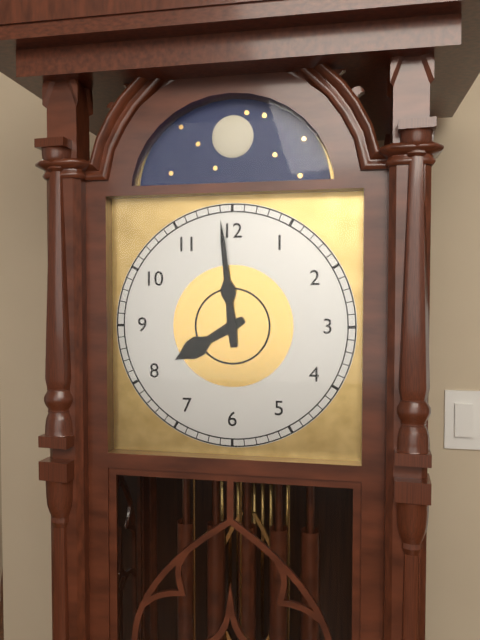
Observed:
{"hour": 7, "minute": 59}
